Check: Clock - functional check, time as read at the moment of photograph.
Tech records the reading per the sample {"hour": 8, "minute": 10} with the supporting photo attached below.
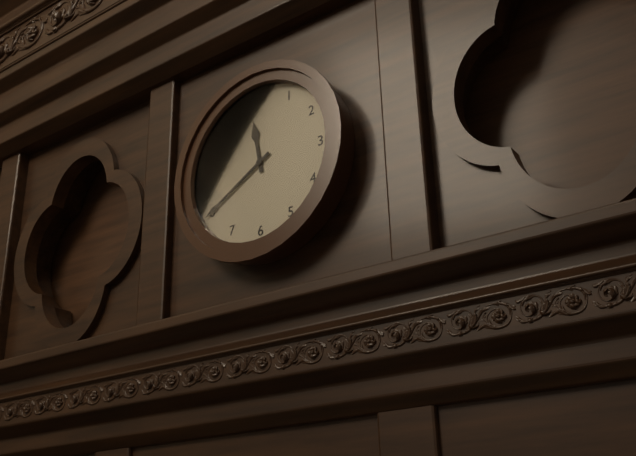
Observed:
{"hour": 11, "minute": 40}
